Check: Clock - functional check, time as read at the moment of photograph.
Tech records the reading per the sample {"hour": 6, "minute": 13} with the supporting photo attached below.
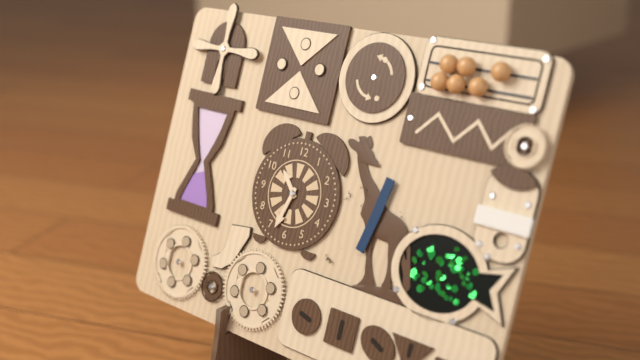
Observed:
{"hour": 10, "minute": 33}
